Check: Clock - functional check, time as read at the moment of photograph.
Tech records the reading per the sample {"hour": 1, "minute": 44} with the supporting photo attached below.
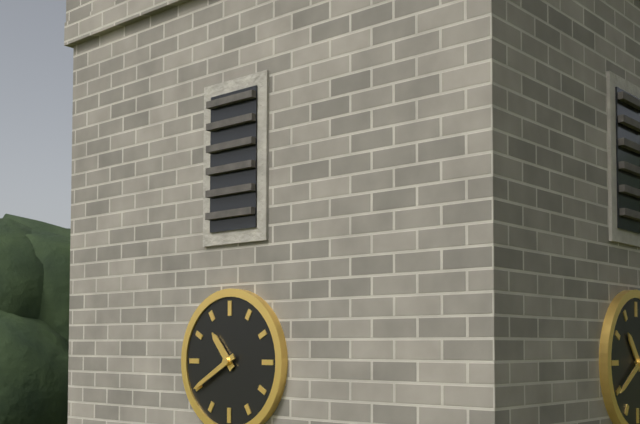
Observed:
{"hour": 10, "minute": 40}
